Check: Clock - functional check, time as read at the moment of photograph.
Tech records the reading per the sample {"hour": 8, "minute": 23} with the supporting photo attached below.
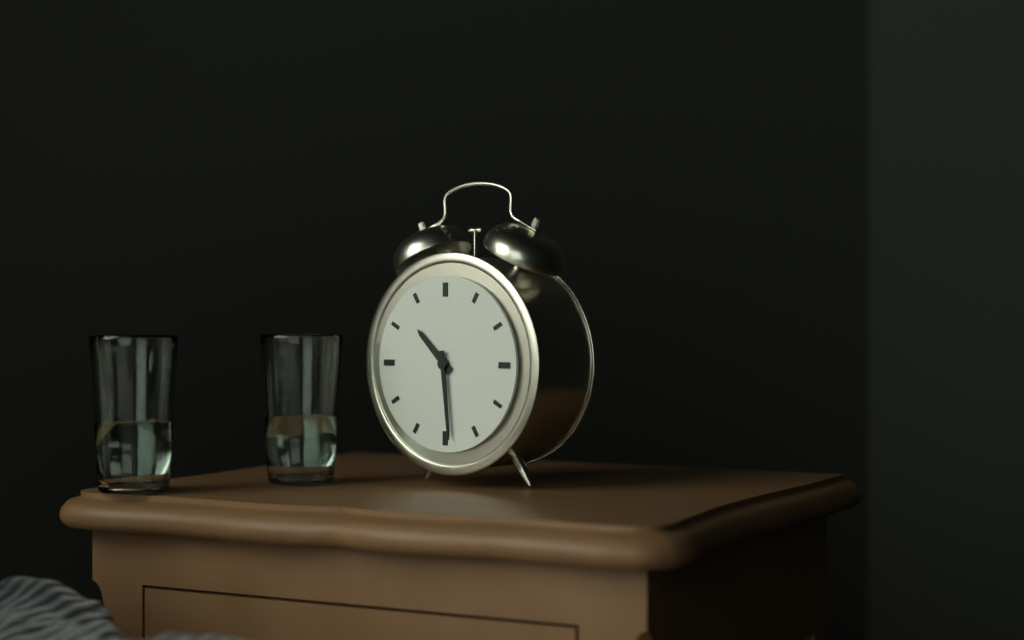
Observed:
{"hour": 10, "minute": 29}
